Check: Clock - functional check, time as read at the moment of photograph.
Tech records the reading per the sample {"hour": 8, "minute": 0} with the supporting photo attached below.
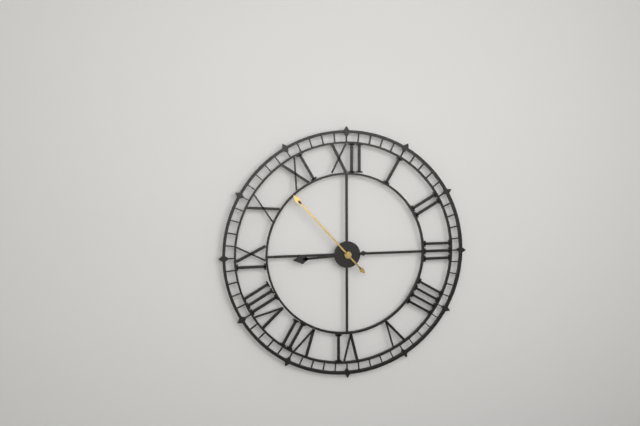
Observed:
{"hour": 8, "minute": 53}
